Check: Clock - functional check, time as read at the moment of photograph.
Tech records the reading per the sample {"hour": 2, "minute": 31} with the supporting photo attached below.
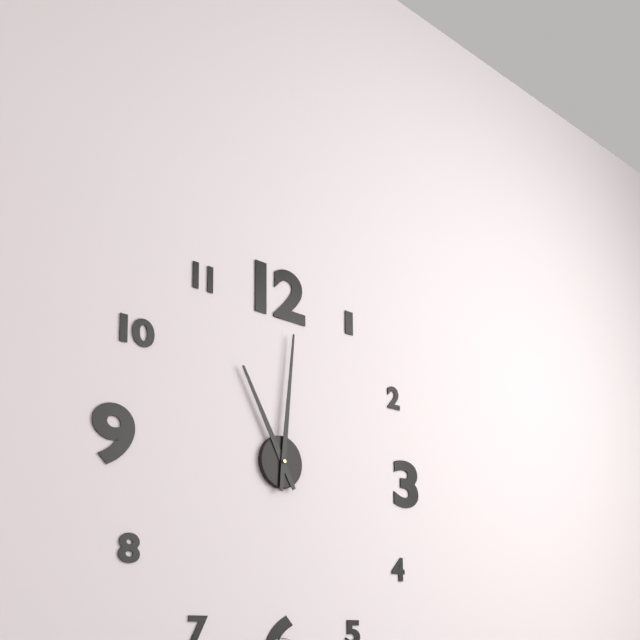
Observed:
{"hour": 11, "minute": 1}
